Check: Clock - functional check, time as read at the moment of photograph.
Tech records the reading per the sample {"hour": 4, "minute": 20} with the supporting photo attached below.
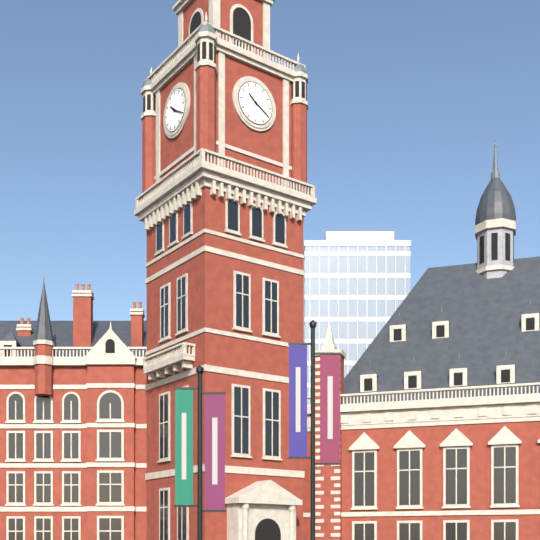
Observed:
{"hour": 10, "minute": 20}
